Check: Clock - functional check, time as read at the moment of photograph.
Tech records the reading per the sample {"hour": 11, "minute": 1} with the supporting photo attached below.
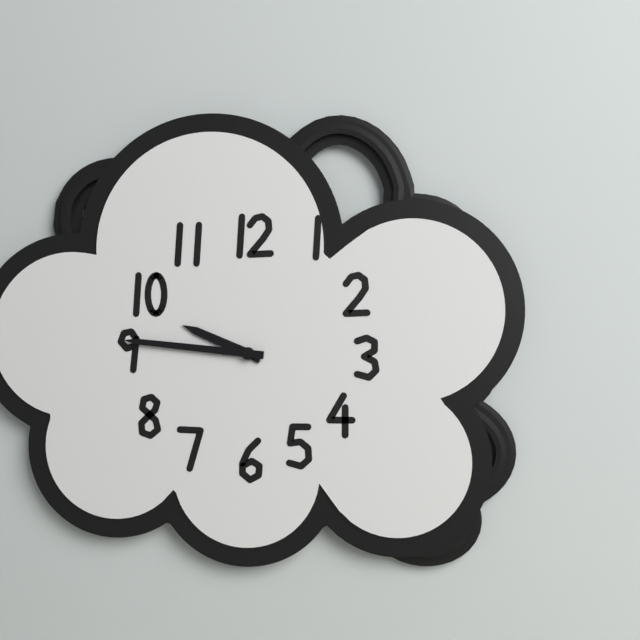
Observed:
{"hour": 9, "minute": 46}
